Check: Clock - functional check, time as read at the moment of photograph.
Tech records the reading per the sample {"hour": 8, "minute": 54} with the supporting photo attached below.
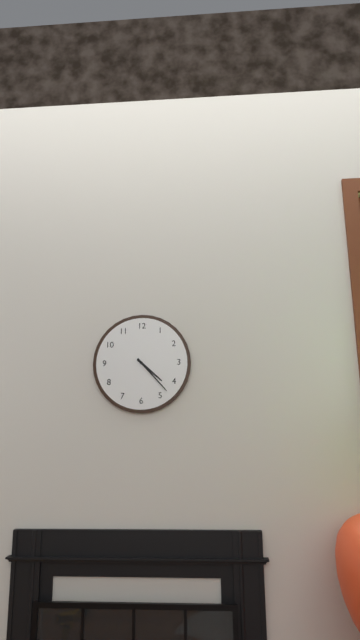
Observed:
{"hour": 4, "minute": 23}
